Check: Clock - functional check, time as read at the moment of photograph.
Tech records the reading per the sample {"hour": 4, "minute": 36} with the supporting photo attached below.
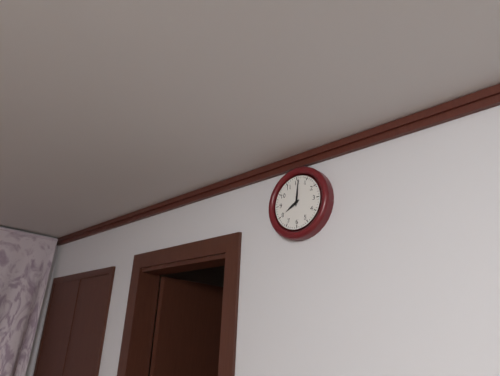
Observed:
{"hour": 8, "minute": 1}
